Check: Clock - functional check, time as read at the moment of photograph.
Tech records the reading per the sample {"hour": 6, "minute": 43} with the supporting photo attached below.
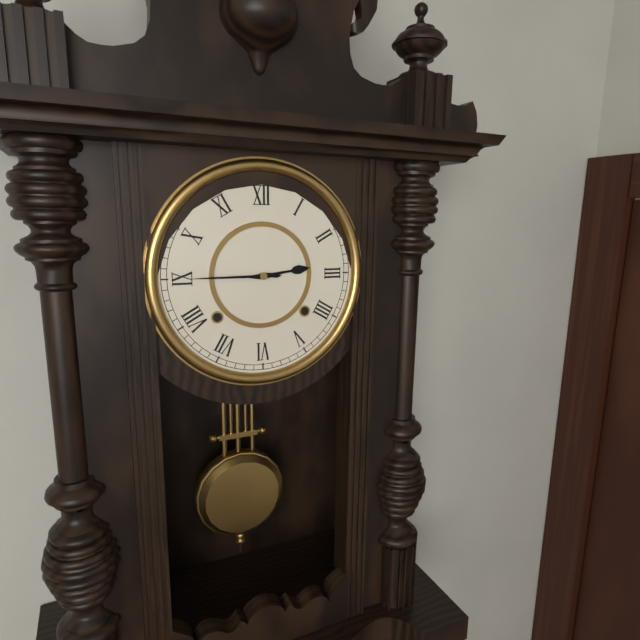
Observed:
{"hour": 2, "minute": 45}
